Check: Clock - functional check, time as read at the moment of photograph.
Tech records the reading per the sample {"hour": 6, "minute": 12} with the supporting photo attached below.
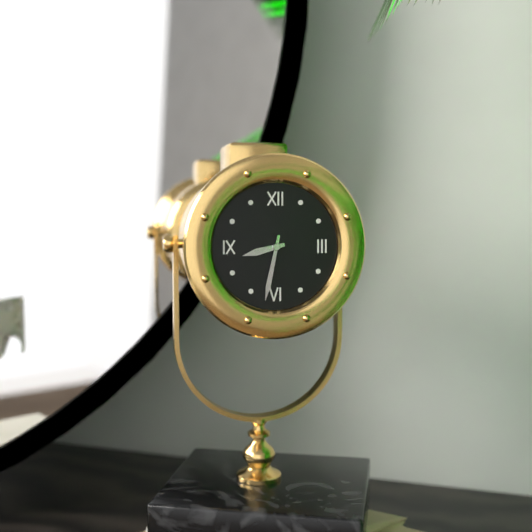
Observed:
{"hour": 8, "minute": 32}
